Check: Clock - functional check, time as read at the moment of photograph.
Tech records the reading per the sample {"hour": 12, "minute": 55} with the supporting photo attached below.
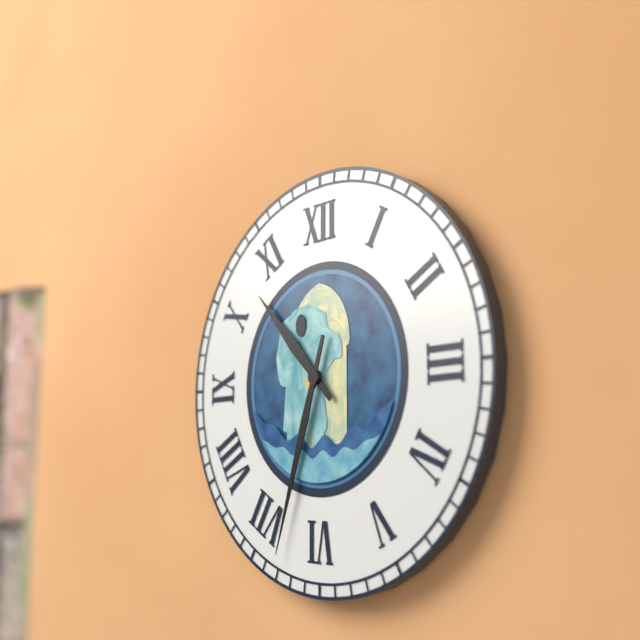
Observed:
{"hour": 10, "minute": 33}
